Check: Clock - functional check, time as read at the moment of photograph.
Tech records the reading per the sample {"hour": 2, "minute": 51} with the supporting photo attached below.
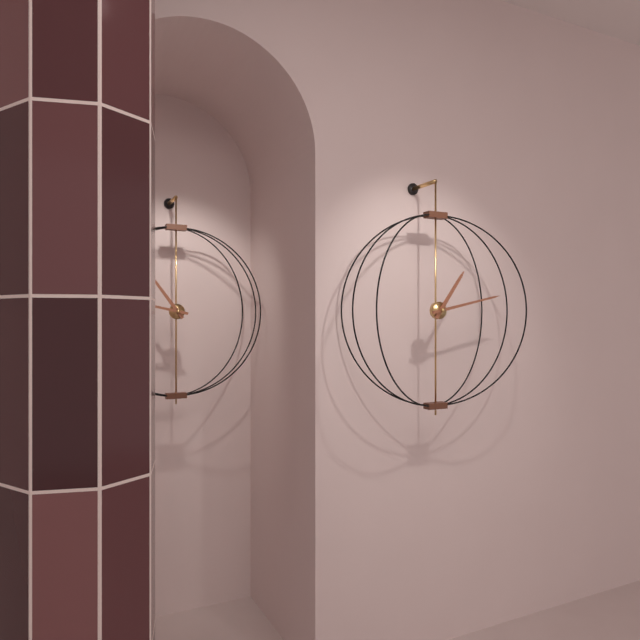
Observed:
{"hour": 1, "minute": 13}
